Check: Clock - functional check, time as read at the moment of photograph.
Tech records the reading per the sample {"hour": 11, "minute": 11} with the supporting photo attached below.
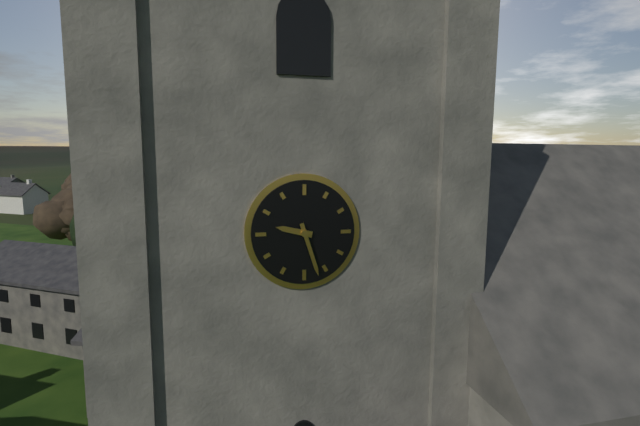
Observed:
{"hour": 9, "minute": 27}
